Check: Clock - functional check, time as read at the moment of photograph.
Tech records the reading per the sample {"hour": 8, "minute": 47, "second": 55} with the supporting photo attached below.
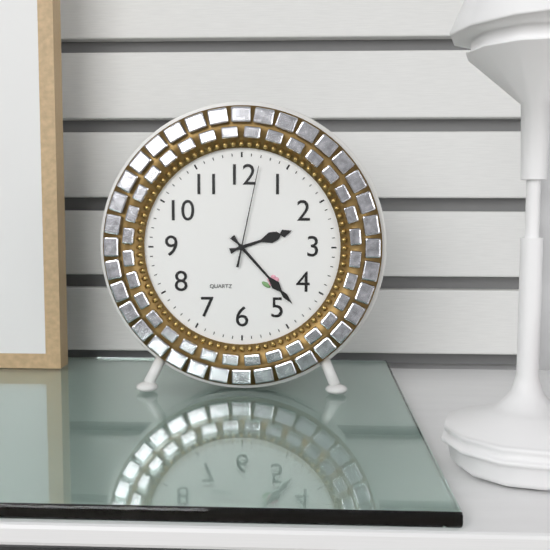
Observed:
{"hour": 2, "minute": 23, "second": 2}
